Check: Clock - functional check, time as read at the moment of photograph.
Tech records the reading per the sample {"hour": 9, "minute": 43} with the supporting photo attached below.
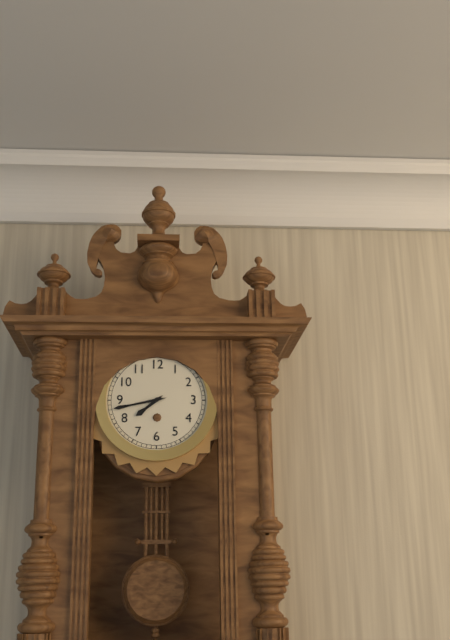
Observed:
{"hour": 7, "minute": 43}
